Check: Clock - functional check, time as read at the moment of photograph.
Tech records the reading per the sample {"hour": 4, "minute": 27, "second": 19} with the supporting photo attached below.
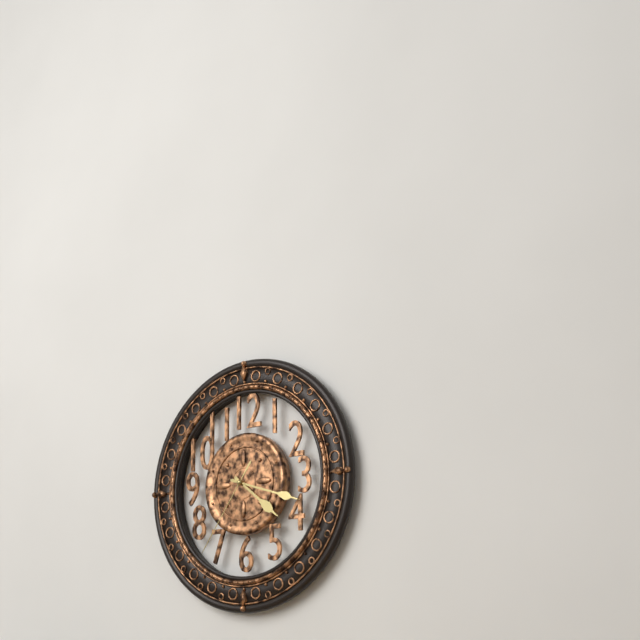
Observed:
{"hour": 4, "minute": 18, "second": 36}
